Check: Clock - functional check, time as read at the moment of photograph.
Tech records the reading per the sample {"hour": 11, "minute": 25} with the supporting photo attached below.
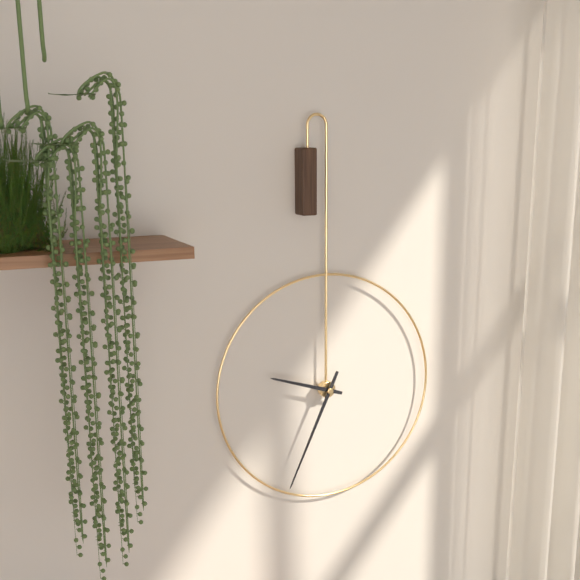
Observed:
{"hour": 9, "minute": 34}
